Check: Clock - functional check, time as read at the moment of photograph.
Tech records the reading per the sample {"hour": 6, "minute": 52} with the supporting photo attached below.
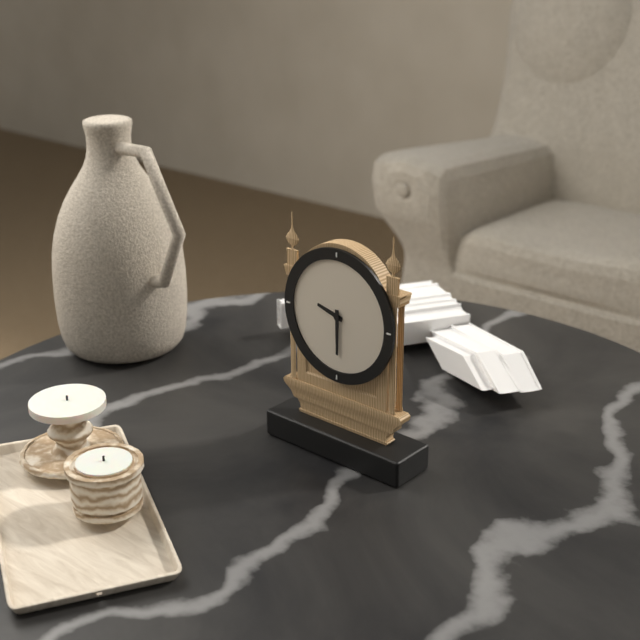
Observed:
{"hour": 9, "minute": 30}
